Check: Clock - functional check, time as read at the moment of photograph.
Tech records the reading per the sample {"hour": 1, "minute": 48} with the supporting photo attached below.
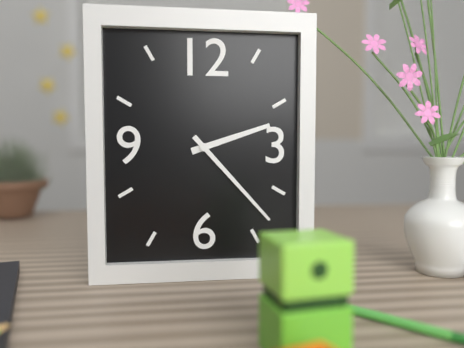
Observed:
{"hour": 2, "minute": 23}
